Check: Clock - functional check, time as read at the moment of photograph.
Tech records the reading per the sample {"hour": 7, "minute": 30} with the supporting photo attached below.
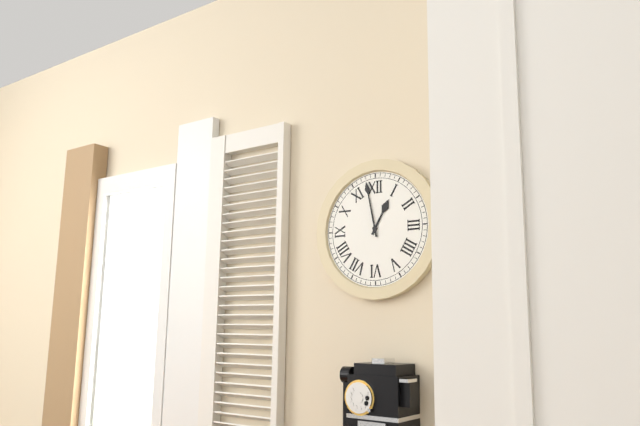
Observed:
{"hour": 12, "minute": 58}
